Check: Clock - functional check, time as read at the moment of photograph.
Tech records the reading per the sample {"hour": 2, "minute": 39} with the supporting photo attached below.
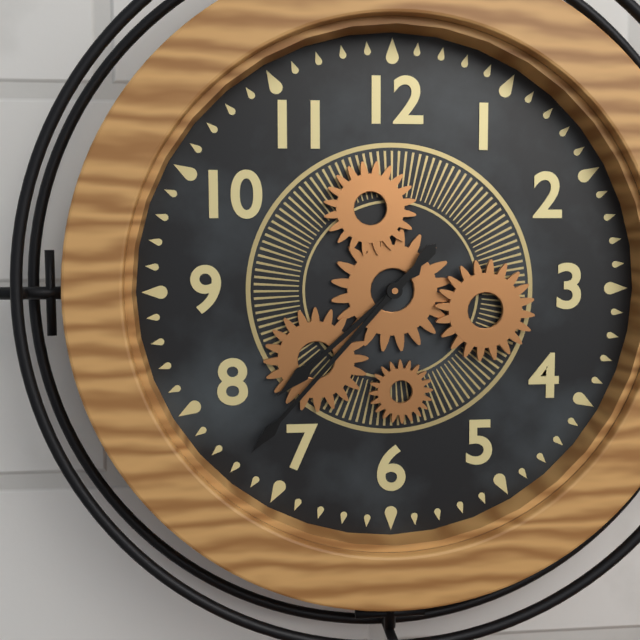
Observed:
{"hour": 7, "minute": 37}
